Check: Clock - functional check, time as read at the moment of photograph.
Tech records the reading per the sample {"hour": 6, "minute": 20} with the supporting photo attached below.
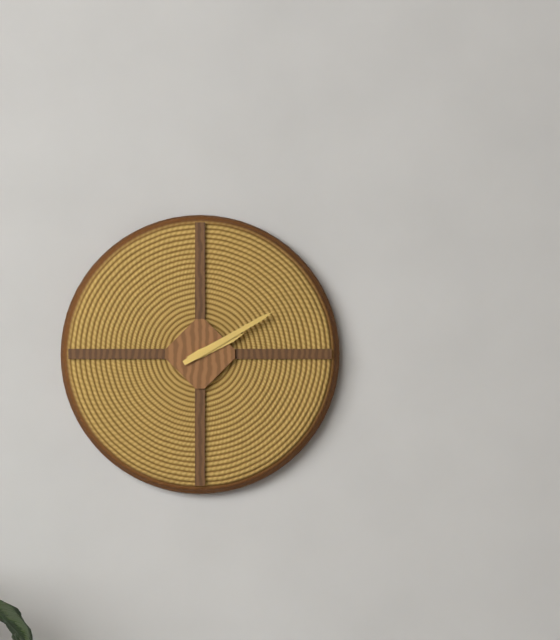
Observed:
{"hour": 2, "minute": 10}
